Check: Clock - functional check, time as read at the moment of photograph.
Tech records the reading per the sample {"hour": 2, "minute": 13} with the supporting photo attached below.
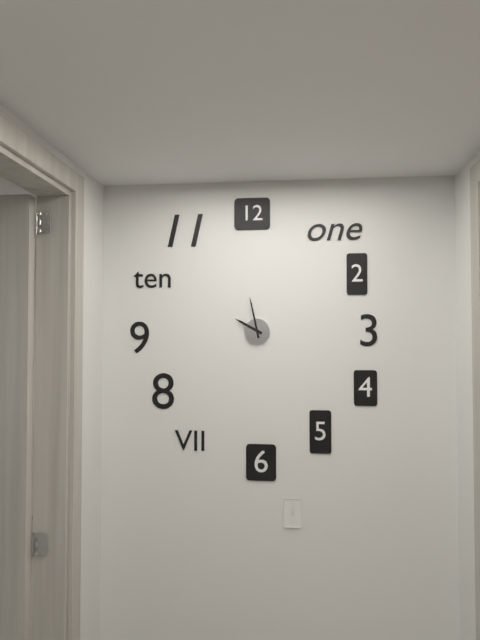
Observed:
{"hour": 9, "minute": 58}
